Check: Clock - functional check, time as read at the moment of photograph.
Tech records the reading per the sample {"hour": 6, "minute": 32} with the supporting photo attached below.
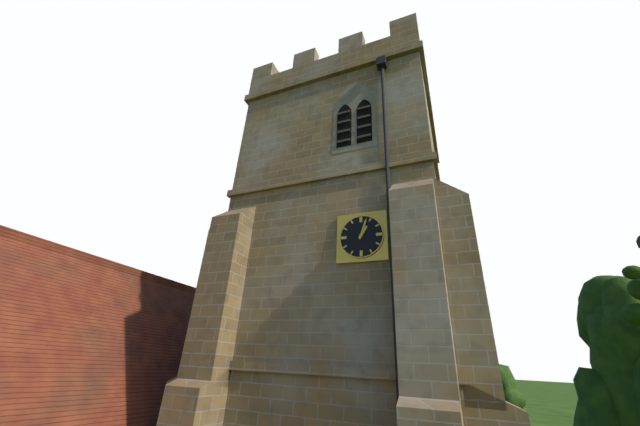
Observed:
{"hour": 1, "minute": 3}
